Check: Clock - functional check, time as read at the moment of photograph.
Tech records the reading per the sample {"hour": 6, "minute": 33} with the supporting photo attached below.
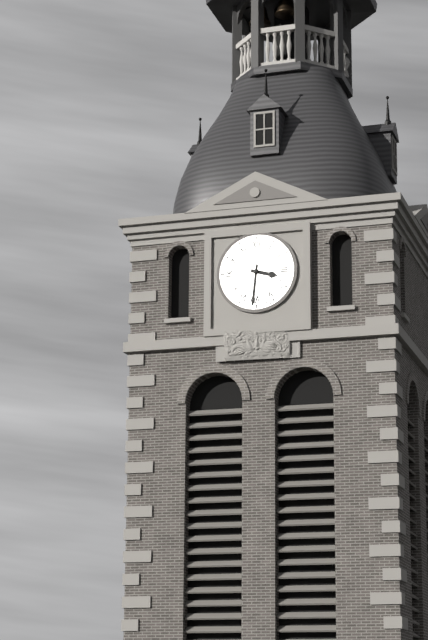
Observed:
{"hour": 3, "minute": 31}
